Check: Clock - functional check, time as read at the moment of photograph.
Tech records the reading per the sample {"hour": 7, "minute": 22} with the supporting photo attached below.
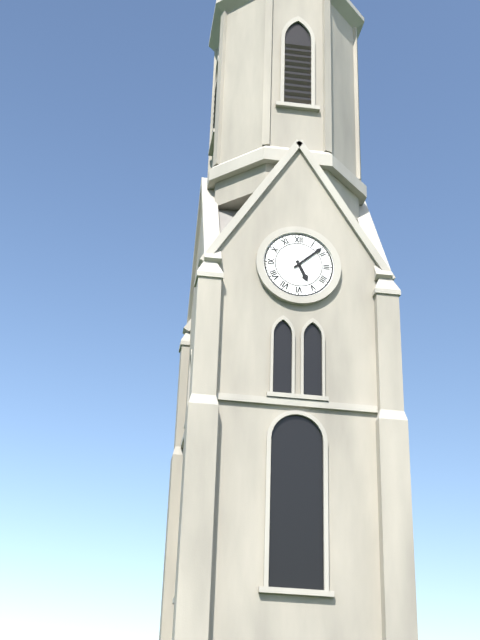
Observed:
{"hour": 5, "minute": 8}
